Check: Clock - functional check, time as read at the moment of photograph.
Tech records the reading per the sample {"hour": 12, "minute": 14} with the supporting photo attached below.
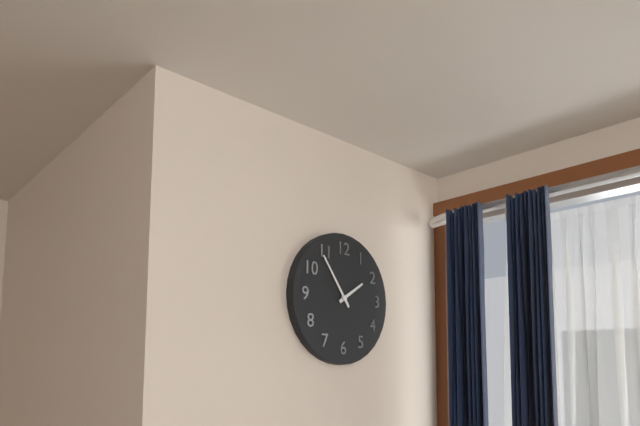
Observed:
{"hour": 1, "minute": 54}
